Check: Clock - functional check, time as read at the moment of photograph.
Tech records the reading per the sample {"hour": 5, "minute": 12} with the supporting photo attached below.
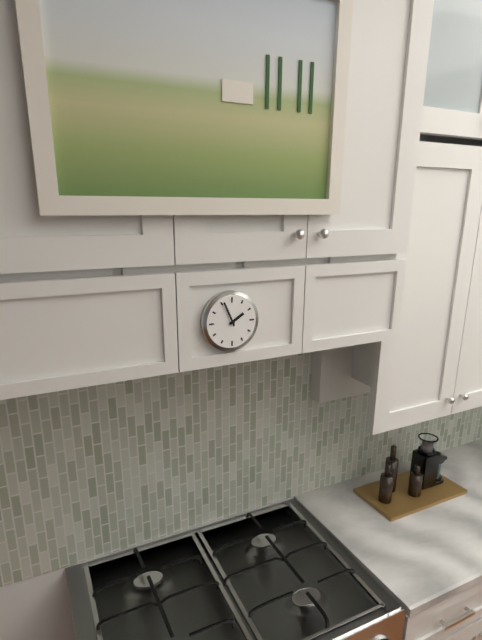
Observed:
{"hour": 1, "minute": 56}
